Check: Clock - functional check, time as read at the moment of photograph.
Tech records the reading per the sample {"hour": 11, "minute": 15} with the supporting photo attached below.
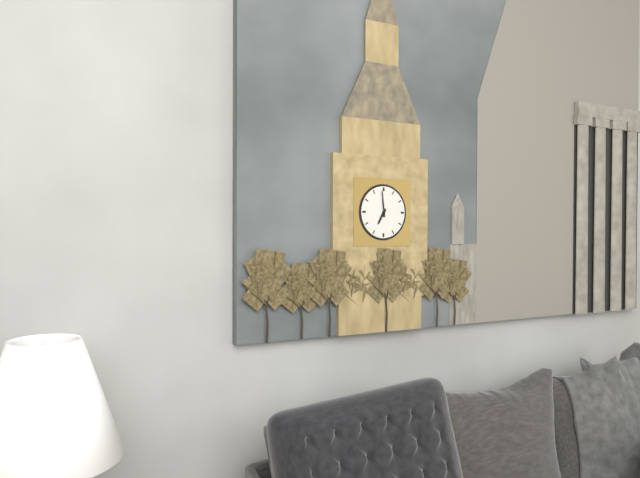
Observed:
{"hour": 6, "minute": 59}
